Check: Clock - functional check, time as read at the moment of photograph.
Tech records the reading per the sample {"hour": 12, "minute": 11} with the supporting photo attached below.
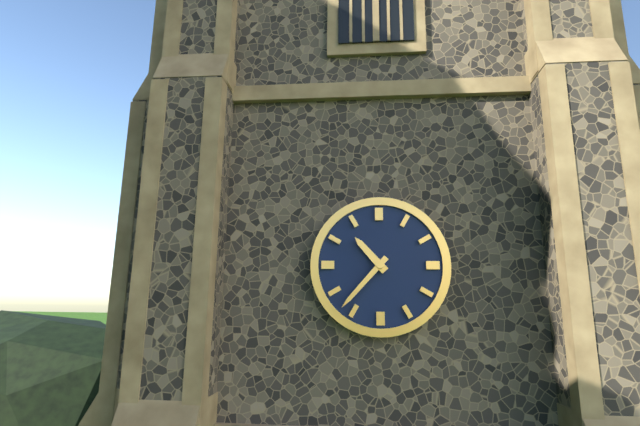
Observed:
{"hour": 10, "minute": 37}
